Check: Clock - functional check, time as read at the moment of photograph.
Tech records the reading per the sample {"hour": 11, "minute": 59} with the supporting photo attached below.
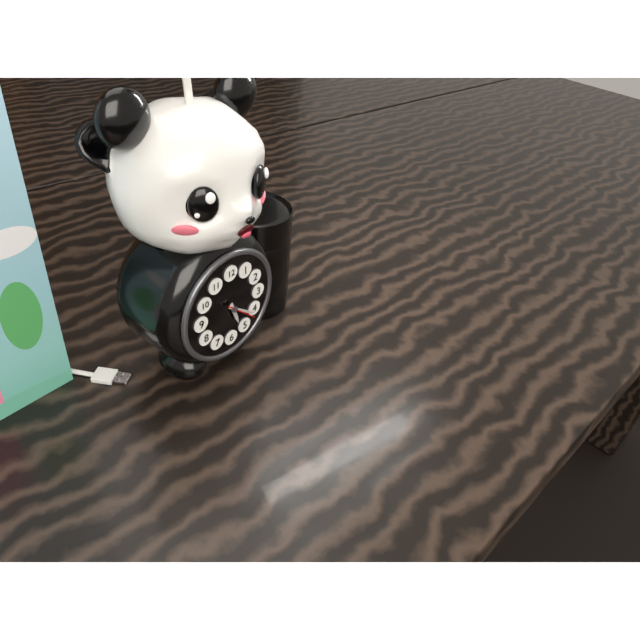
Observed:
{"hour": 5, "minute": 21}
